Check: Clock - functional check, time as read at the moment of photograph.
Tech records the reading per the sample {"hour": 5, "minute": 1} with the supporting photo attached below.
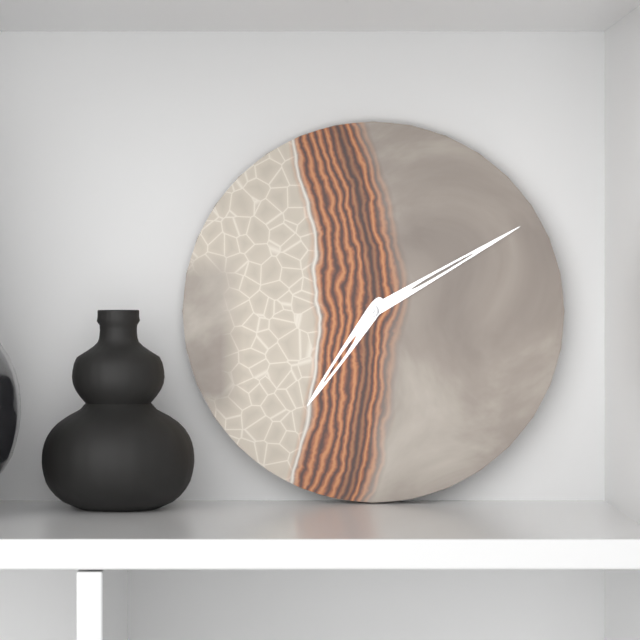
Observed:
{"hour": 7, "minute": 10}
